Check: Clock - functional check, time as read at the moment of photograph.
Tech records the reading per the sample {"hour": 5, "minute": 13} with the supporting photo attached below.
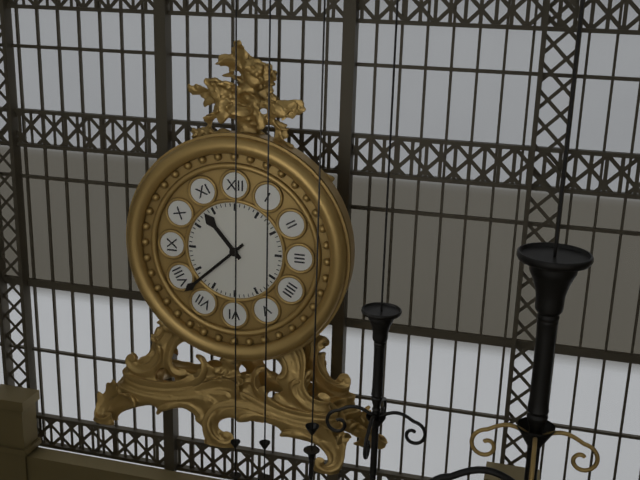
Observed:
{"hour": 10, "minute": 38}
